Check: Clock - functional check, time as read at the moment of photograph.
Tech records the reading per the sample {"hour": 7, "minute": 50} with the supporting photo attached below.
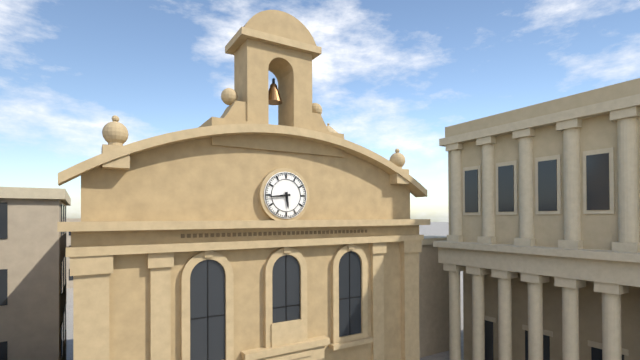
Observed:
{"hour": 5, "minute": 44}
